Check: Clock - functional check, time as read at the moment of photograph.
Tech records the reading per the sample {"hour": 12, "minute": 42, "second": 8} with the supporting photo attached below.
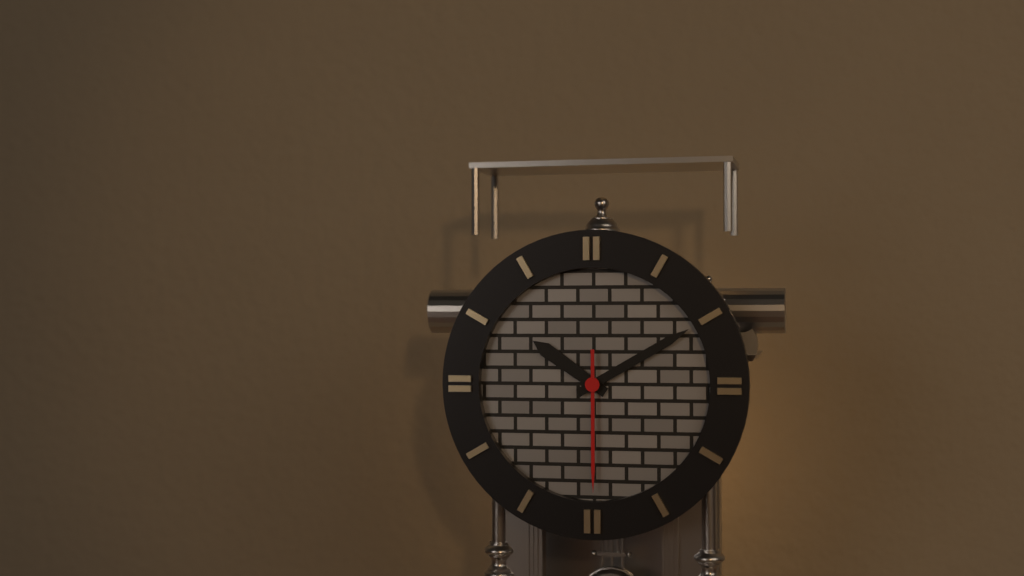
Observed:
{"hour": 10, "minute": 10, "second": 30}
